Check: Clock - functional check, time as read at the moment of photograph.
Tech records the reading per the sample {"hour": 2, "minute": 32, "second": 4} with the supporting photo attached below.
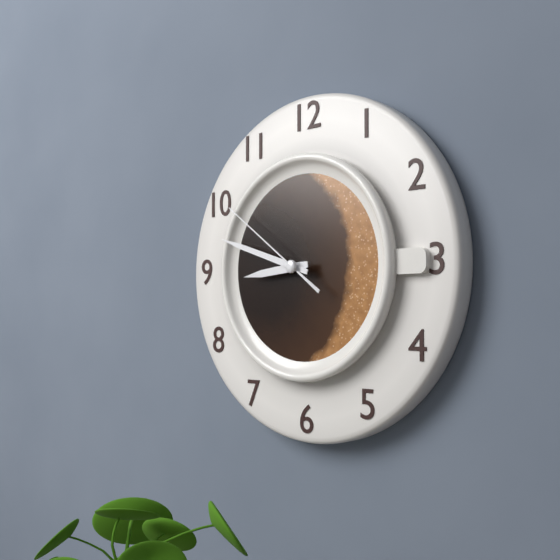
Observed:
{"hour": 8, "minute": 48, "second": 51}
